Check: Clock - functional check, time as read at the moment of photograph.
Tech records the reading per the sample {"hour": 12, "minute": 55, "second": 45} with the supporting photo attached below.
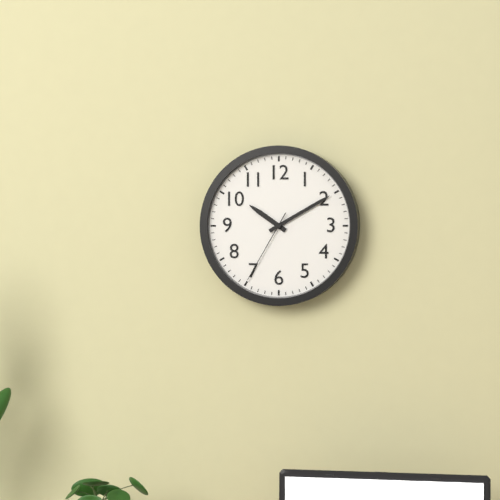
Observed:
{"hour": 10, "minute": 10, "second": 35}
